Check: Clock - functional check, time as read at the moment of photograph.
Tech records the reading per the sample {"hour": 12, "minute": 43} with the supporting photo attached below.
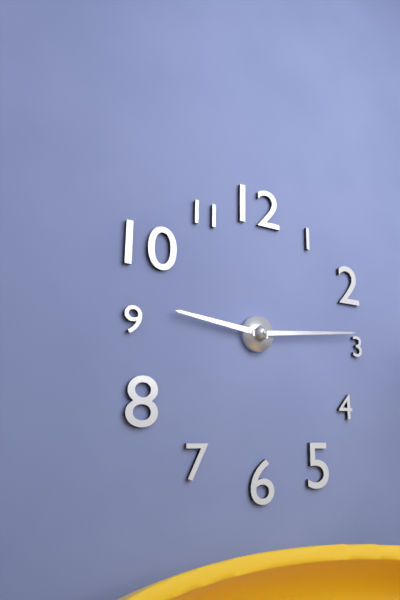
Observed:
{"hour": 9, "minute": 14}
